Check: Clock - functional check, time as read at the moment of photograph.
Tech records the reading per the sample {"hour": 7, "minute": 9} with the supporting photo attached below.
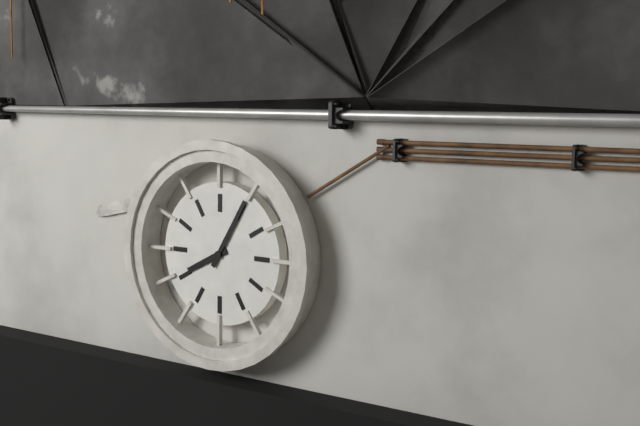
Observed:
{"hour": 8, "minute": 5}
